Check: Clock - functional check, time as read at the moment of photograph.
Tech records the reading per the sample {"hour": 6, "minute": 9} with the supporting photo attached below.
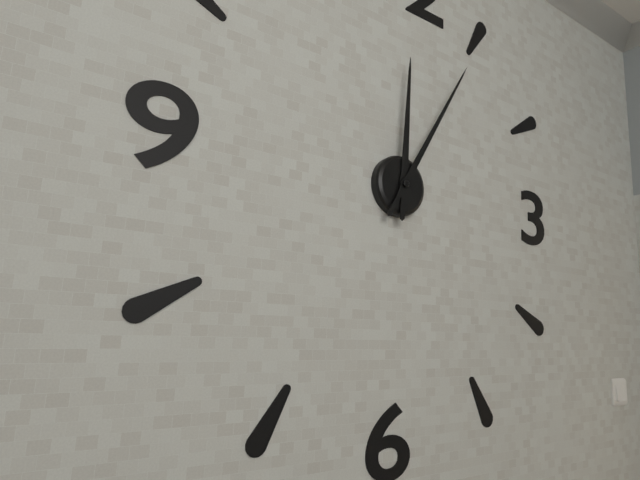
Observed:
{"hour": 12, "minute": 5}
